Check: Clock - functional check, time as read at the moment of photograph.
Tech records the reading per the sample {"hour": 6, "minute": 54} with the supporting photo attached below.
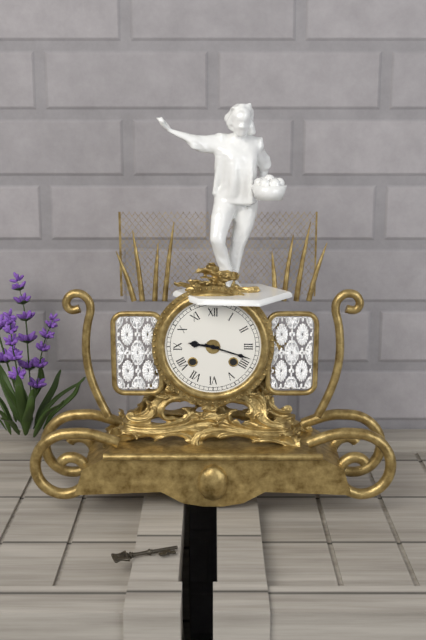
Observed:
{"hour": 9, "minute": 18}
